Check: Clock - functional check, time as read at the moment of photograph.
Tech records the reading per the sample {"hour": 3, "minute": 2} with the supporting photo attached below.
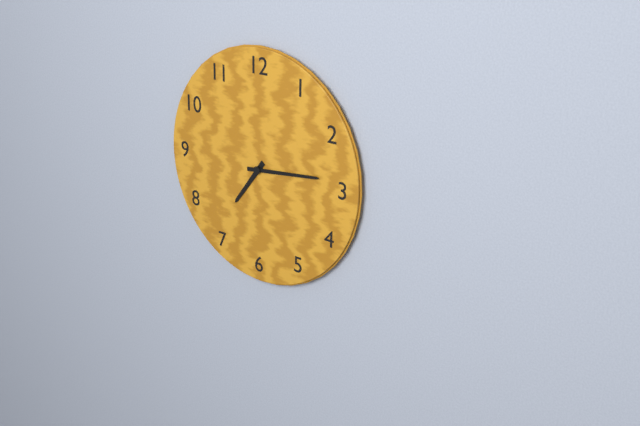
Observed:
{"hour": 7, "minute": 14}
